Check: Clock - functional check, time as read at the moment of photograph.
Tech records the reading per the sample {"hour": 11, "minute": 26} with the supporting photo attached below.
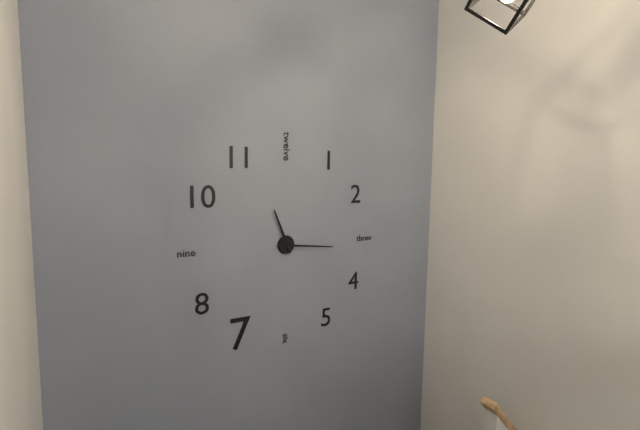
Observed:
{"hour": 11, "minute": 16}
